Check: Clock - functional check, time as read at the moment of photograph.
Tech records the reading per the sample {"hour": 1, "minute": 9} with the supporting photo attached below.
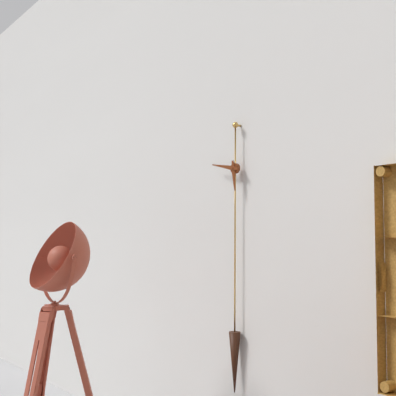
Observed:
{"hour": 5, "minute": 47}
